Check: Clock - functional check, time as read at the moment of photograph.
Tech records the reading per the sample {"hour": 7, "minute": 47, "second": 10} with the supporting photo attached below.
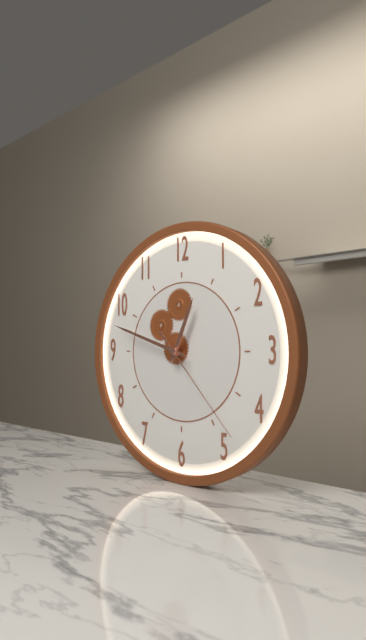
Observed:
{"hour": 12, "minute": 48, "second": 23}
